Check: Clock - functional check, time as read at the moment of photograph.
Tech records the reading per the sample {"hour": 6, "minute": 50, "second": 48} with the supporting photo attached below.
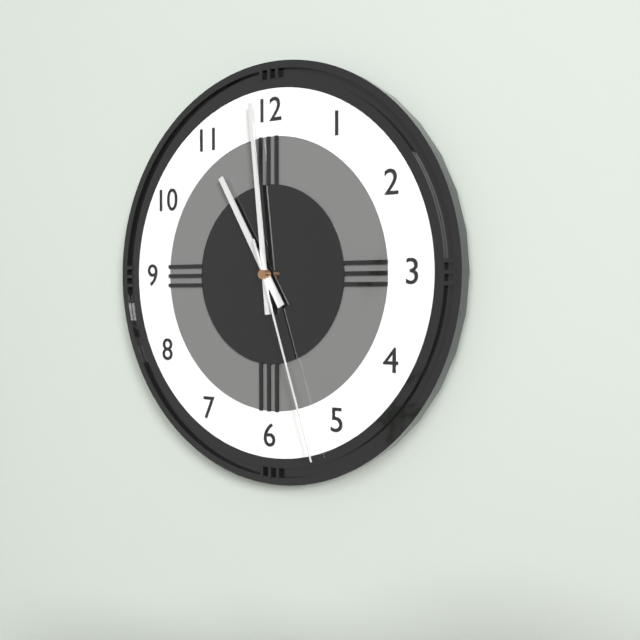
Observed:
{"hour": 10, "minute": 59, "second": 27}
